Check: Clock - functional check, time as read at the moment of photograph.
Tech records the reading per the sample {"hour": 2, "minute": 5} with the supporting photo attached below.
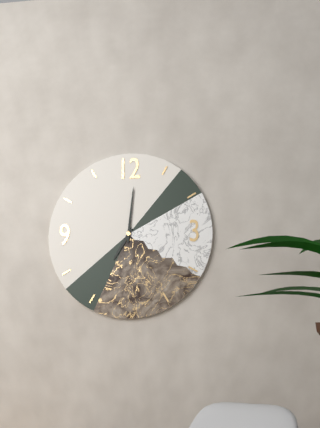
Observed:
{"hour": 7, "minute": 1}
